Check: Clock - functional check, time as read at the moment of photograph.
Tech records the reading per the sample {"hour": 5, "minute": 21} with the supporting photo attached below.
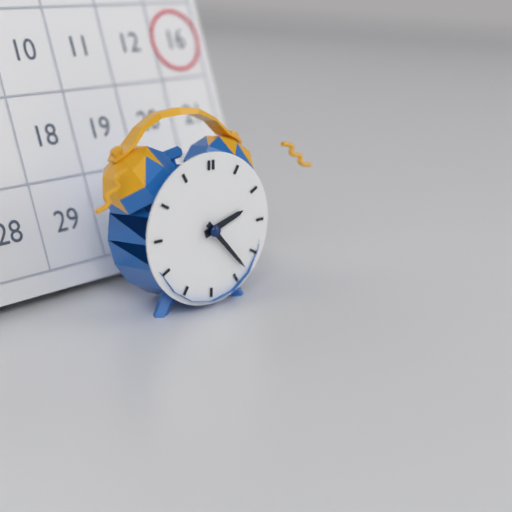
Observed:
{"hour": 2, "minute": 23}
